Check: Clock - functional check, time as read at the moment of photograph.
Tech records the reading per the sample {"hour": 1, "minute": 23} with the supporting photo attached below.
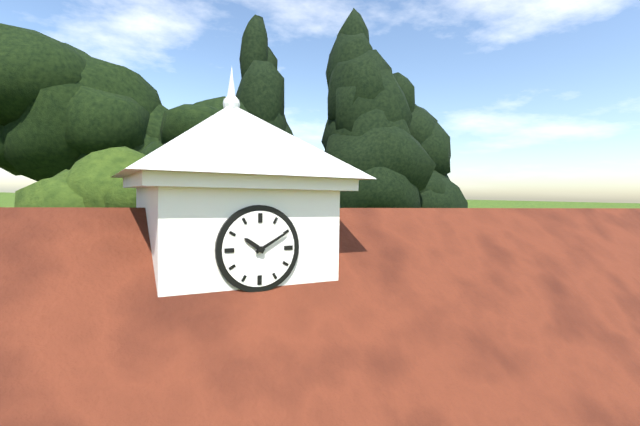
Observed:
{"hour": 10, "minute": 10}
